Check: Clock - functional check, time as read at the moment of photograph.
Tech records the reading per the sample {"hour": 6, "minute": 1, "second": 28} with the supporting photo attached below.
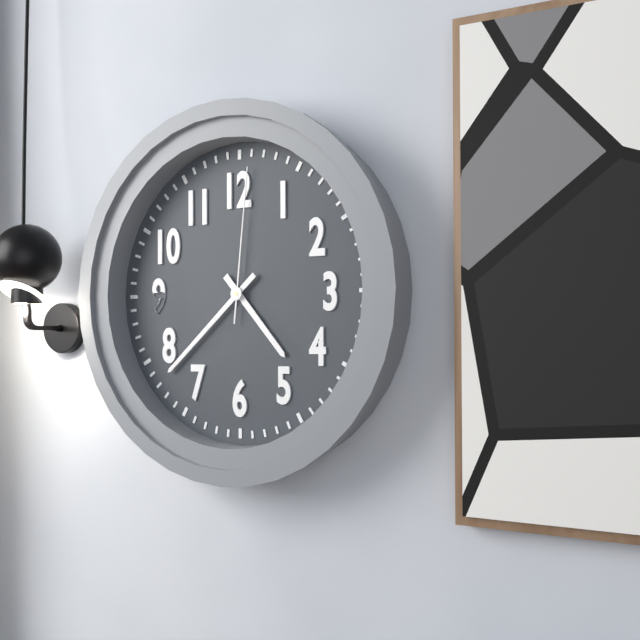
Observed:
{"hour": 4, "minute": 38, "second": 1}
